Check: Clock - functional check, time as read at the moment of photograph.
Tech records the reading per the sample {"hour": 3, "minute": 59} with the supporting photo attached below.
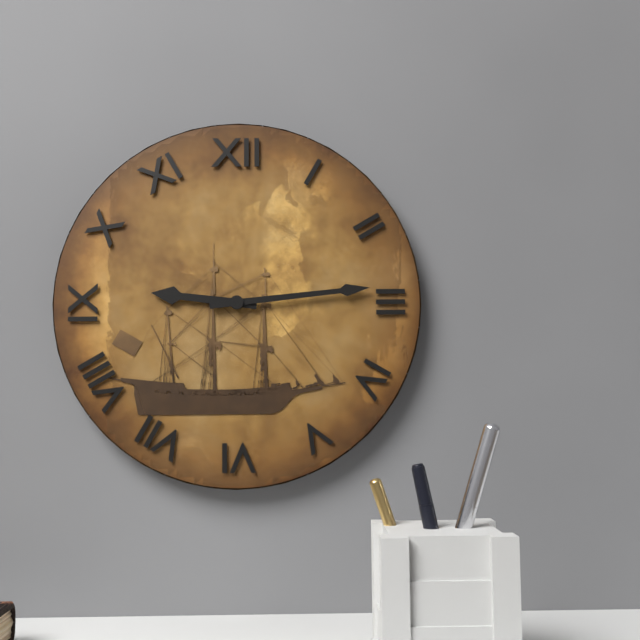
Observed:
{"hour": 9, "minute": 14}
